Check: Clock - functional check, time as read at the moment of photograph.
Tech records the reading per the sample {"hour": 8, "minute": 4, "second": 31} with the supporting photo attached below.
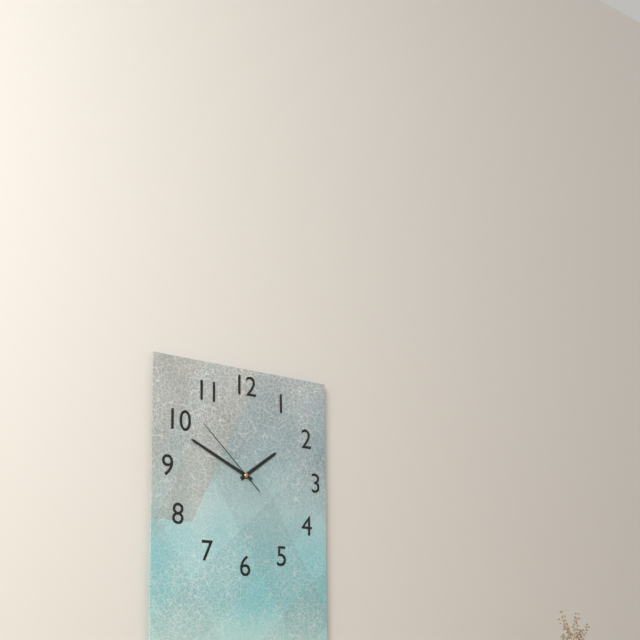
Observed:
{"hour": 1, "minute": 49, "second": 52}
